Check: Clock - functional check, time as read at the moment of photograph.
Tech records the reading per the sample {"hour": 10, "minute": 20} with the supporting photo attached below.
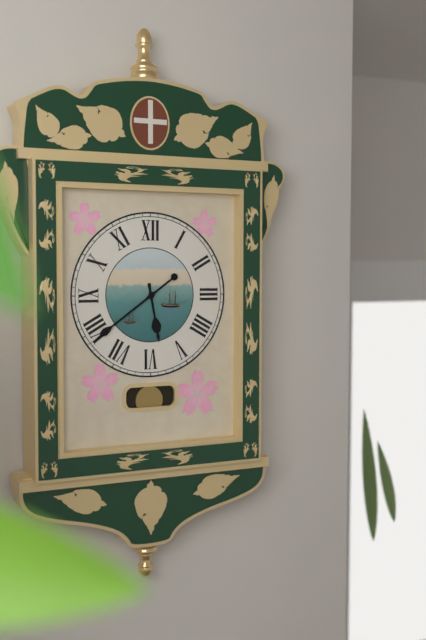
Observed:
{"hour": 5, "minute": 39}
